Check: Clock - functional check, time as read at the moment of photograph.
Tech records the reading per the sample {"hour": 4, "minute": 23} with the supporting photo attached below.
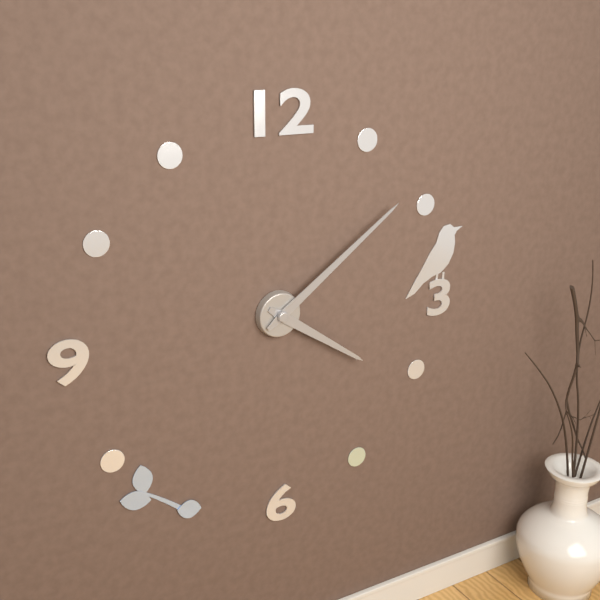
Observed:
{"hour": 4, "minute": 9}
